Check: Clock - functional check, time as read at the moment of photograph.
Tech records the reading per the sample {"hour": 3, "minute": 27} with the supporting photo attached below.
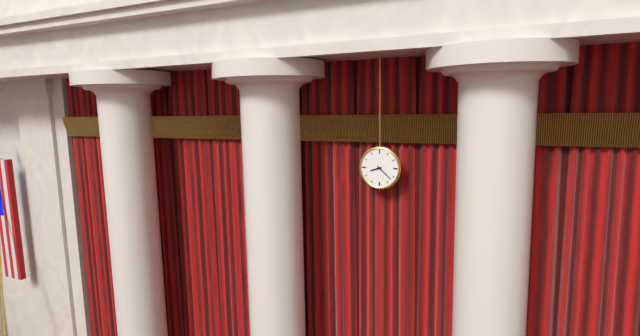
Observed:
{"hour": 8, "minute": 22}
